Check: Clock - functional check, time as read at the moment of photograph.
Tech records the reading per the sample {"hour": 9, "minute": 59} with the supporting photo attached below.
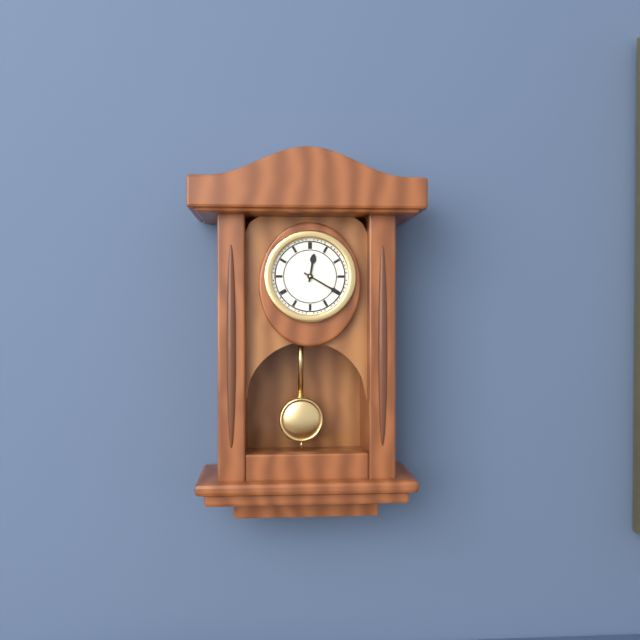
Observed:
{"hour": 12, "minute": 20}
